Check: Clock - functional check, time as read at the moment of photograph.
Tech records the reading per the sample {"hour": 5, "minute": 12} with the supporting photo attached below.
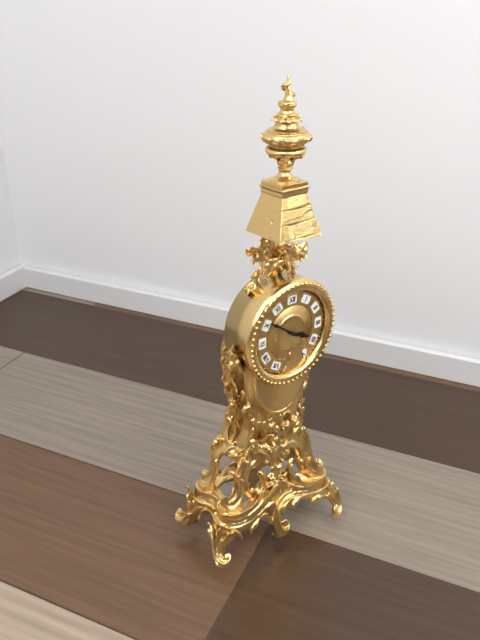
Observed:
{"hour": 3, "minute": 51}
